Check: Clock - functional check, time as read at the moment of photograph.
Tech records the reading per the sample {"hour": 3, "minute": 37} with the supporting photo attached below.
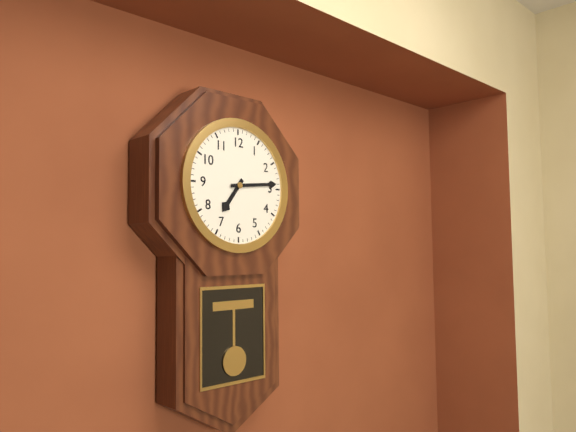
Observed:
{"hour": 7, "minute": 14}
